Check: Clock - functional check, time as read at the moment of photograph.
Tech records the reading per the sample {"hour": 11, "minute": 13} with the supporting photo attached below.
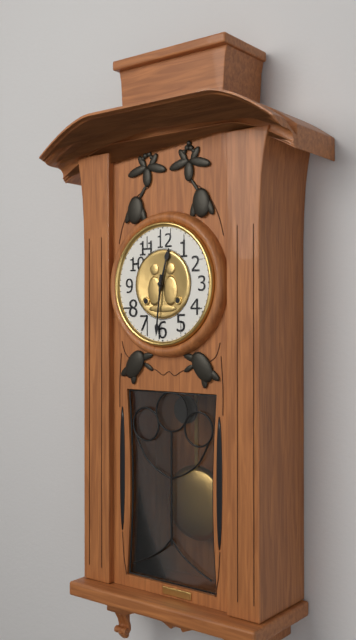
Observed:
{"hour": 12, "minute": 31}
